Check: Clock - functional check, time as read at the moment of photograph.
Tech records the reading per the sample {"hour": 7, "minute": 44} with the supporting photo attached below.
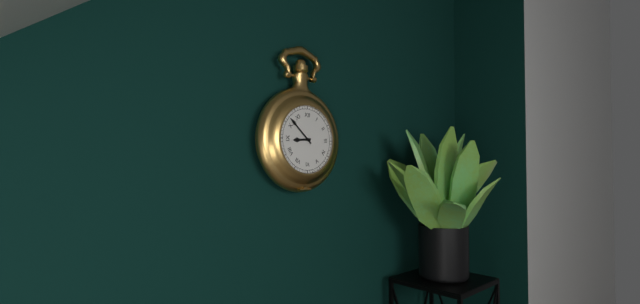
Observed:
{"hour": 8, "minute": 52}
